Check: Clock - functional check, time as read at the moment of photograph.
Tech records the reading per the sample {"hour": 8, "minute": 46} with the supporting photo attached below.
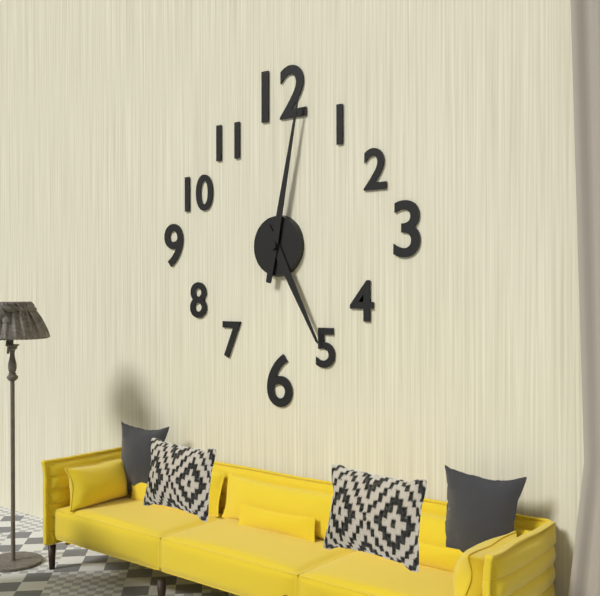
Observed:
{"hour": 5, "minute": 2}
